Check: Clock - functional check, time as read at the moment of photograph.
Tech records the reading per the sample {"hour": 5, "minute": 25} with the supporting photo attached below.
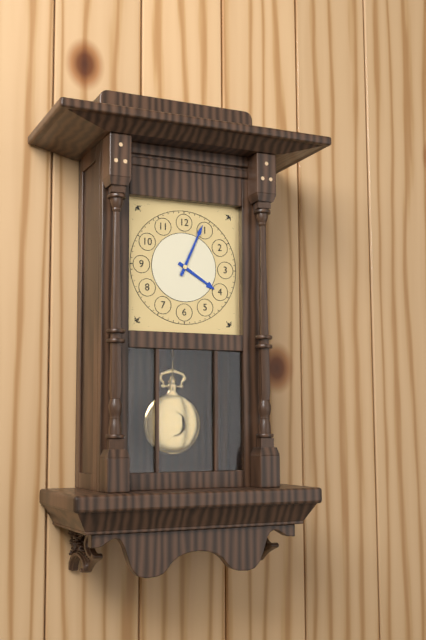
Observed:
{"hour": 4, "minute": 4}
